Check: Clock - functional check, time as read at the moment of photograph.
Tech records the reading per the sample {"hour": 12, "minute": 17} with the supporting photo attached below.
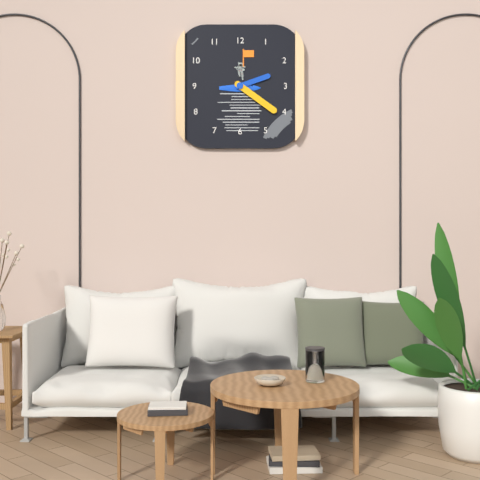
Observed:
{"hour": 2, "minute": 21}
